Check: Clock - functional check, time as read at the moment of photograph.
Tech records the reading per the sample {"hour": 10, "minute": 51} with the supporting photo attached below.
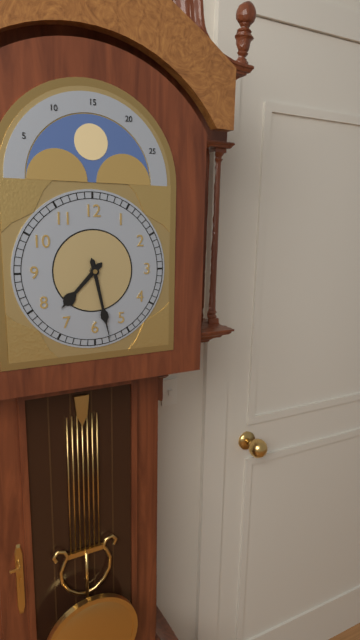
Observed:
{"hour": 7, "minute": 28}
